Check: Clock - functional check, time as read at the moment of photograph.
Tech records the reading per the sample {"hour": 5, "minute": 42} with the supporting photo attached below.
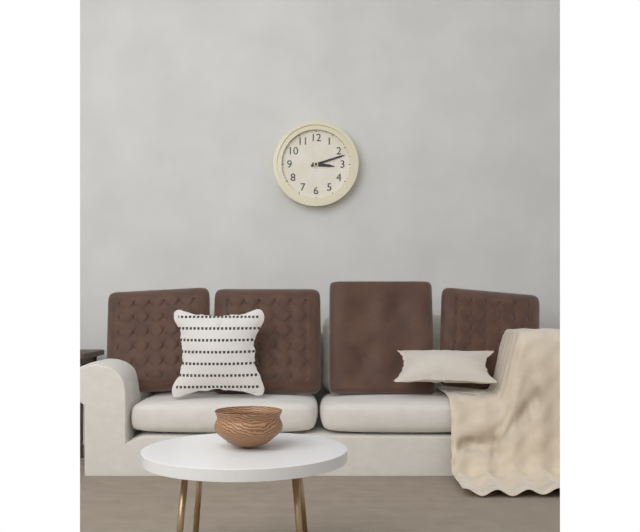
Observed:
{"hour": 3, "minute": 12}
